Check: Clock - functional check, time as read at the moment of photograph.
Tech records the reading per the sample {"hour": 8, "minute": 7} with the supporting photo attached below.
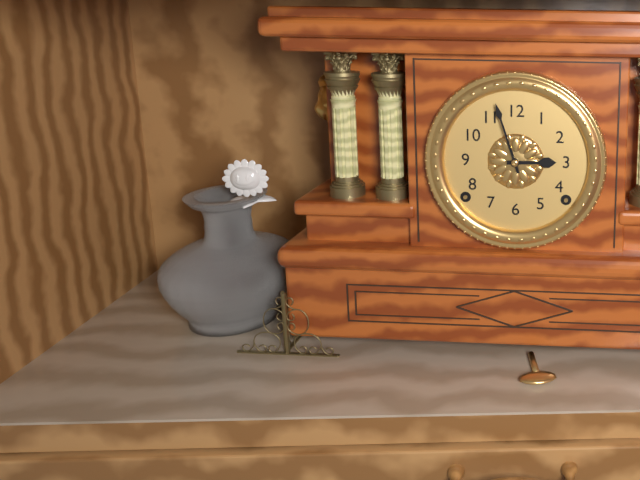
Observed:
{"hour": 2, "minute": 57}
